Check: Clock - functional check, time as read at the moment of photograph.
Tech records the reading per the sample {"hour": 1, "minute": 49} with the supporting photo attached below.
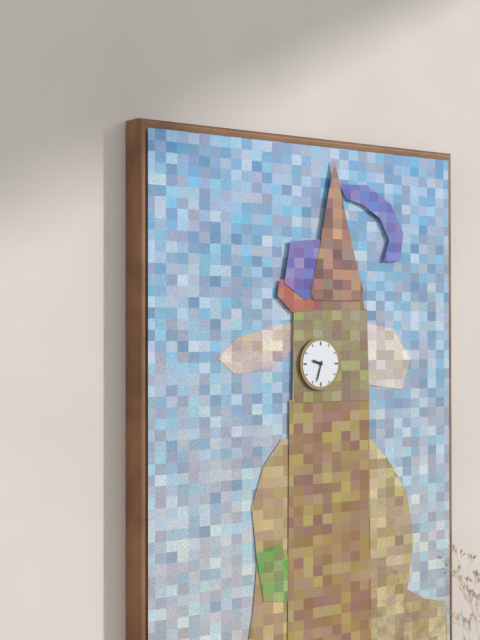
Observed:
{"hour": 9, "minute": 33}
